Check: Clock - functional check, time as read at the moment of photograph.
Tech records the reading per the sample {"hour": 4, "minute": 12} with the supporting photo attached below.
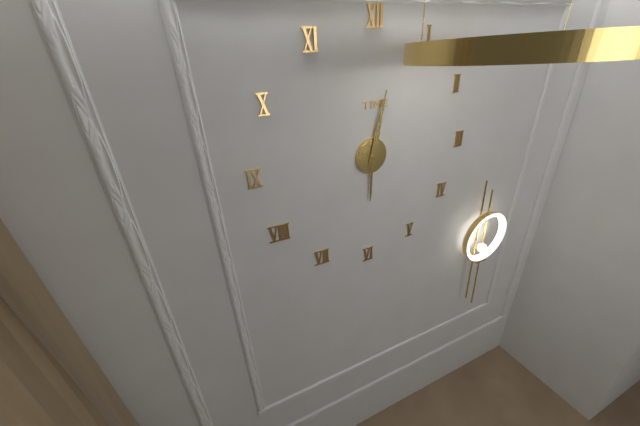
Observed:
{"hour": 6, "minute": 2}
